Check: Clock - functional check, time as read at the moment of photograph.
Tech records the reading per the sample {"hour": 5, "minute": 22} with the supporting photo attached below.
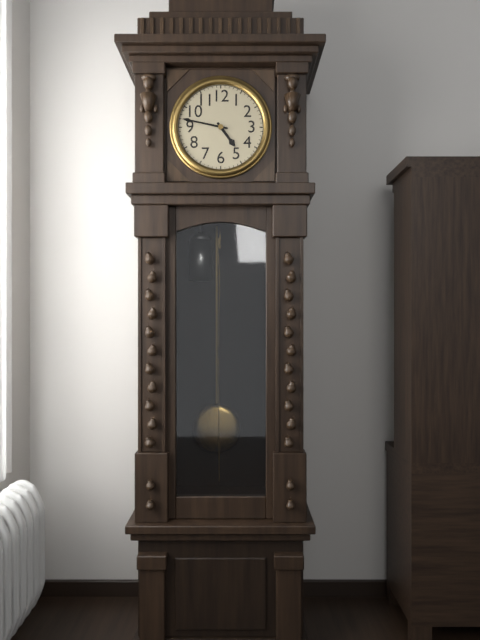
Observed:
{"hour": 4, "minute": 47}
